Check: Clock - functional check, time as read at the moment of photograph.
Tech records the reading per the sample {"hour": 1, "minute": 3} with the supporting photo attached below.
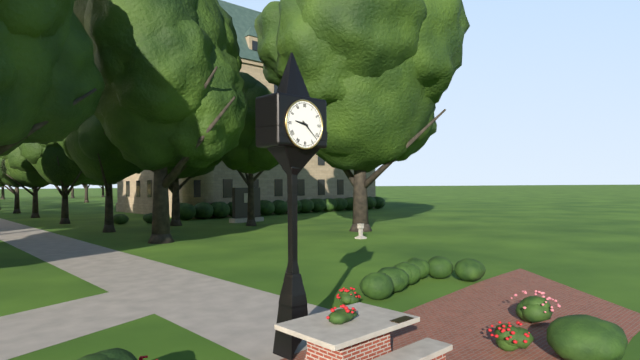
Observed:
{"hour": 9, "minute": 22}
